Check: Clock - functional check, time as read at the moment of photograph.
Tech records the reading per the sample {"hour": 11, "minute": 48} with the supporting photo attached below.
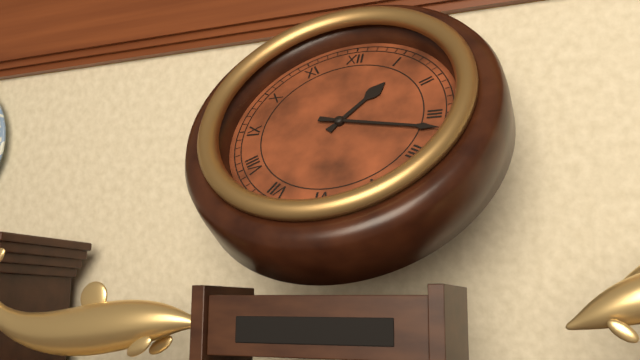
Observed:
{"hour": 1, "minute": 17}
